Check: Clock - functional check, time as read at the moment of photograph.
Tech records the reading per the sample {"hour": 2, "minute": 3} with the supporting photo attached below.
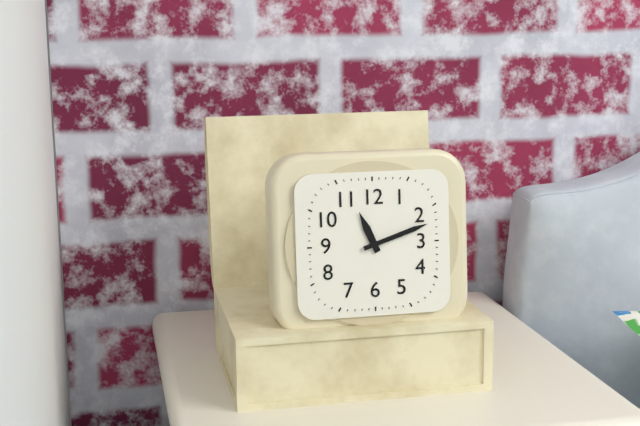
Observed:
{"hour": 11, "minute": 12}
